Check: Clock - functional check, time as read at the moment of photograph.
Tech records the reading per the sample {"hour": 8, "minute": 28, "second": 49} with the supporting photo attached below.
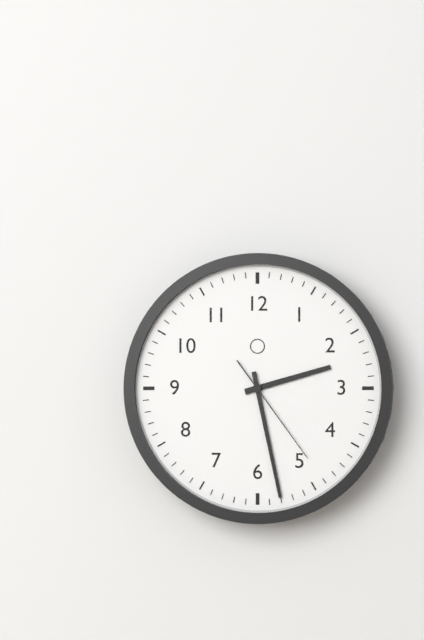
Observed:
{"hour": 2, "minute": 28, "second": 24}
